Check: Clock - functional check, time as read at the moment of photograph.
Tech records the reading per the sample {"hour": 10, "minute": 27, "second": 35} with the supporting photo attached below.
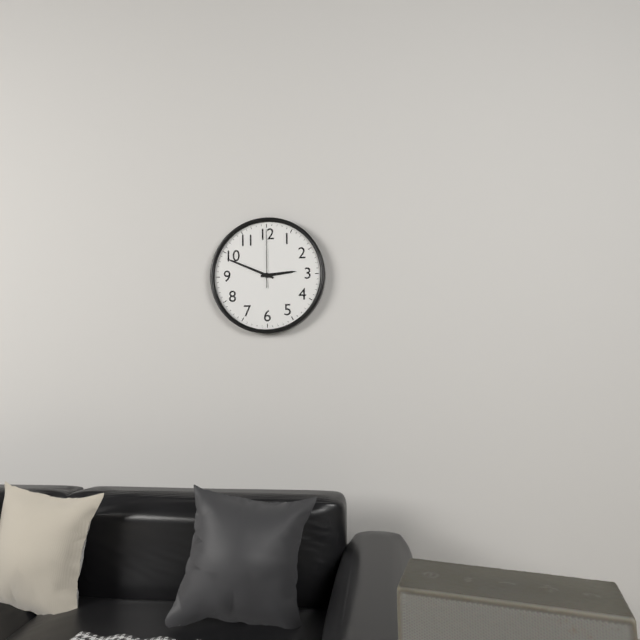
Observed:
{"hour": 2, "minute": 49, "second": 0}
